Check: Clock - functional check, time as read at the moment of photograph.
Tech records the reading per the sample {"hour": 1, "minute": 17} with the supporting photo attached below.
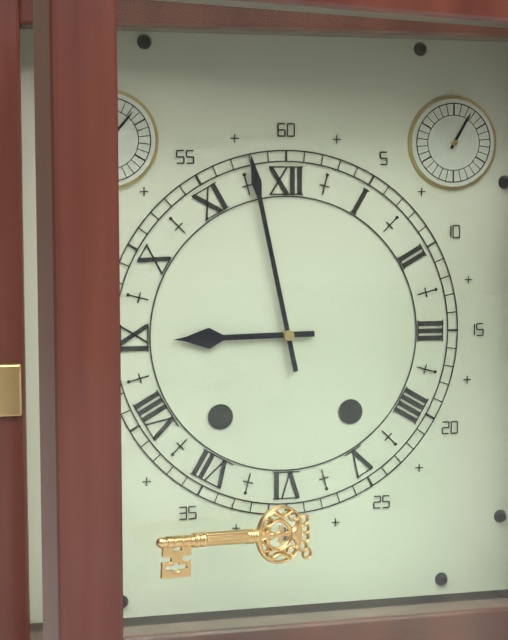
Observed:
{"hour": 8, "minute": 58}
